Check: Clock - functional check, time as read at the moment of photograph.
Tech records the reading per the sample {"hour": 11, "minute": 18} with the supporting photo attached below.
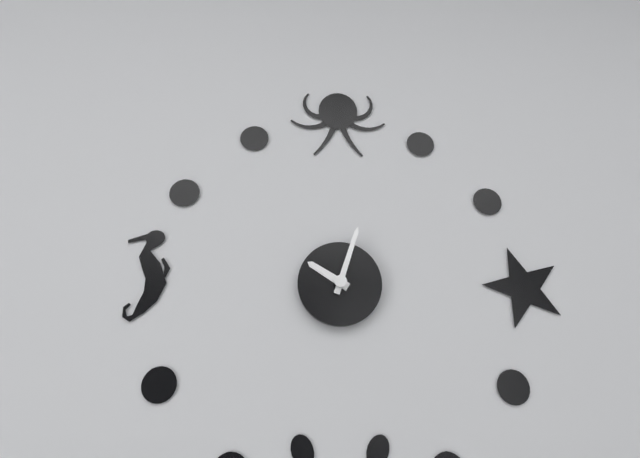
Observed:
{"hour": 10, "minute": 3}
